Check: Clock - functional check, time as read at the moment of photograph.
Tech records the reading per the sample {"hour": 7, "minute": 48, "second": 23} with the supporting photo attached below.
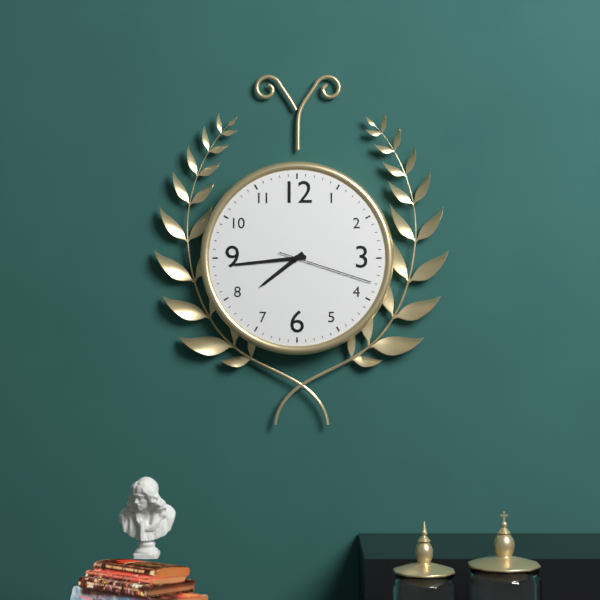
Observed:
{"hour": 7, "minute": 44, "second": 18}
